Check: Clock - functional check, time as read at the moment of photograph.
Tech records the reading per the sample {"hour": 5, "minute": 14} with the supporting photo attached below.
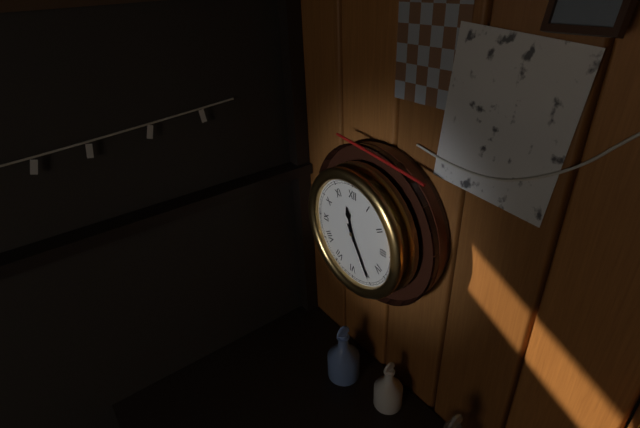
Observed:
{"hour": 11, "minute": 25}
